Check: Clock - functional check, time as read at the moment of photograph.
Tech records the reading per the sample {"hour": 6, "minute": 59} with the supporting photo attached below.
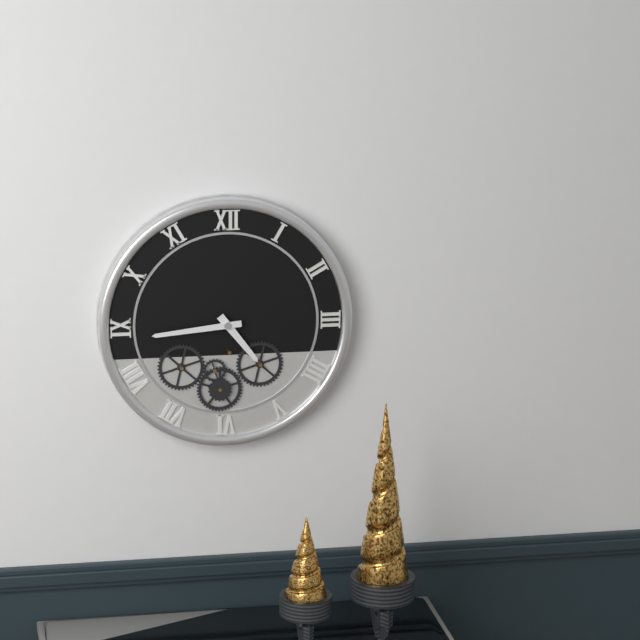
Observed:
{"hour": 4, "minute": 44}
